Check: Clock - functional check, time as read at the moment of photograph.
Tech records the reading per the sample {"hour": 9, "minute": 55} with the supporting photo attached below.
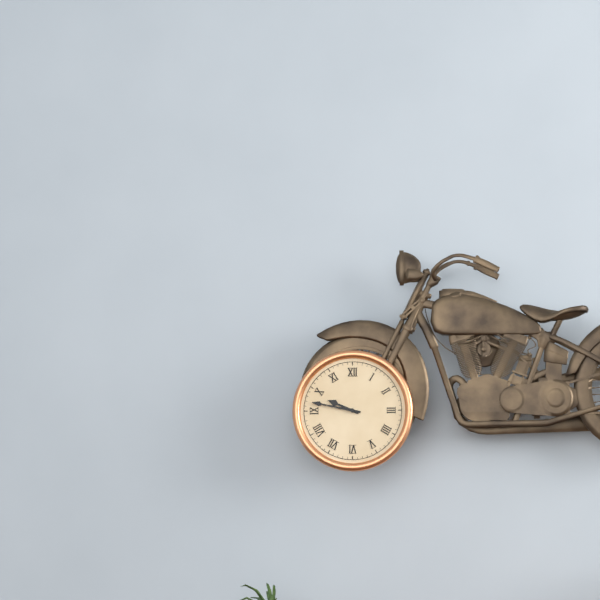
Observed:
{"hour": 9, "minute": 47}
